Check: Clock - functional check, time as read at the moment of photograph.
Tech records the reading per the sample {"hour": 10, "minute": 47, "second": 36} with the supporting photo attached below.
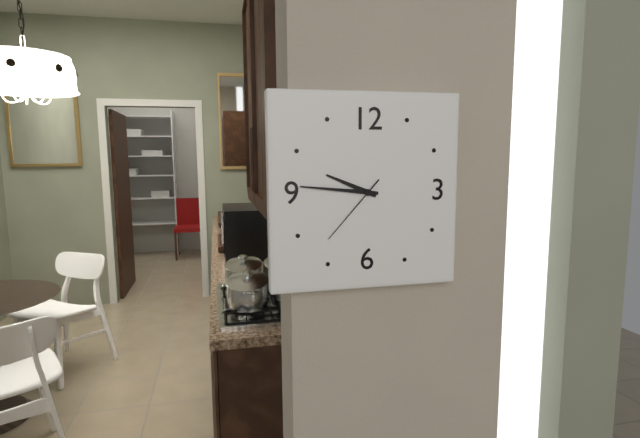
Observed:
{"hour": 9, "minute": 46, "second": 37}
